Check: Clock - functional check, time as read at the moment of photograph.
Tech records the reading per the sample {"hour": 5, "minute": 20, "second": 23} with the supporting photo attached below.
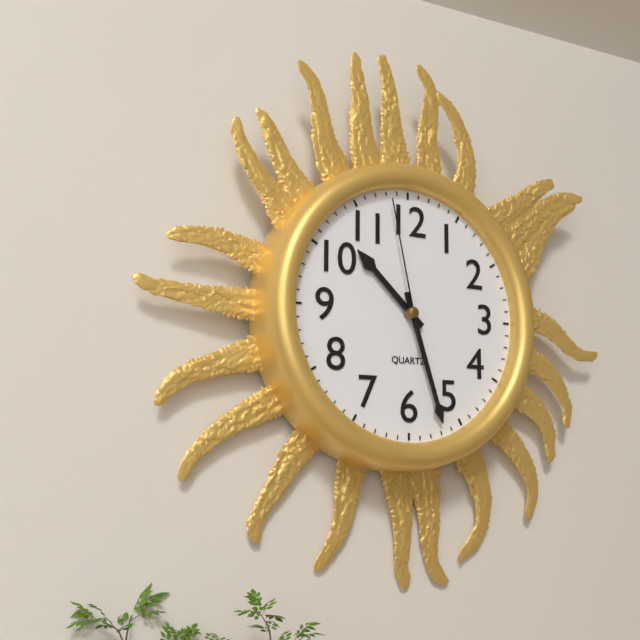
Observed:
{"hour": 10, "minute": 27, "second": 58}
